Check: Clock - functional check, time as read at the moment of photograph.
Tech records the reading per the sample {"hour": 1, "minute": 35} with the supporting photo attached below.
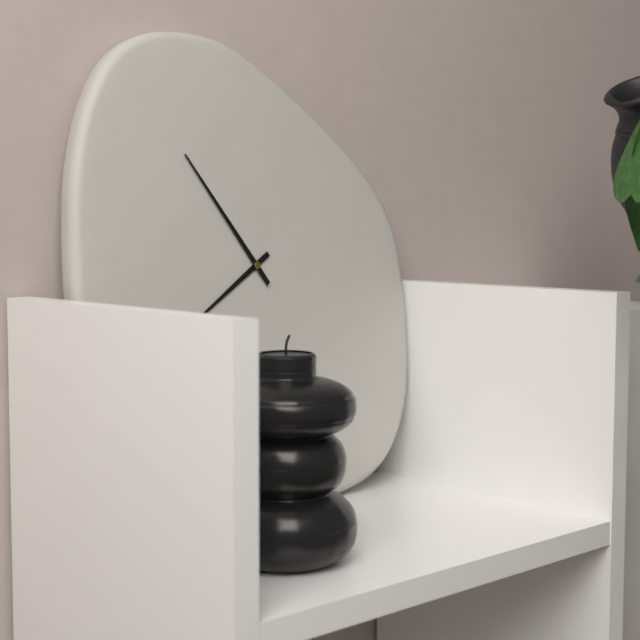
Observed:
{"hour": 7, "minute": 54}
